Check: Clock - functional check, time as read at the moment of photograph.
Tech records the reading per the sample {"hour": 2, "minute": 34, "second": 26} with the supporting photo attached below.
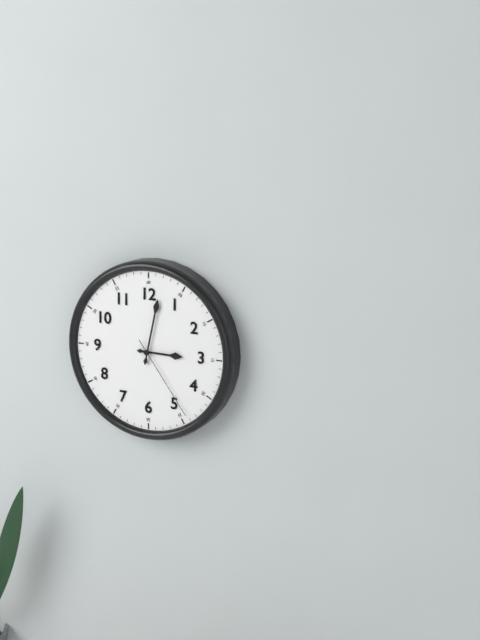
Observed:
{"hour": 3, "minute": 2, "second": 24}
